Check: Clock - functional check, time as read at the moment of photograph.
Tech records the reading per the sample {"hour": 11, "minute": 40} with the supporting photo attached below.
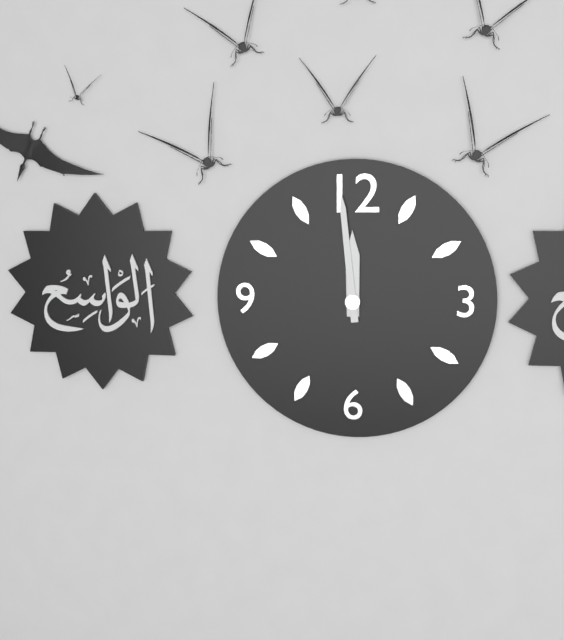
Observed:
{"hour": 11, "minute": 59}
